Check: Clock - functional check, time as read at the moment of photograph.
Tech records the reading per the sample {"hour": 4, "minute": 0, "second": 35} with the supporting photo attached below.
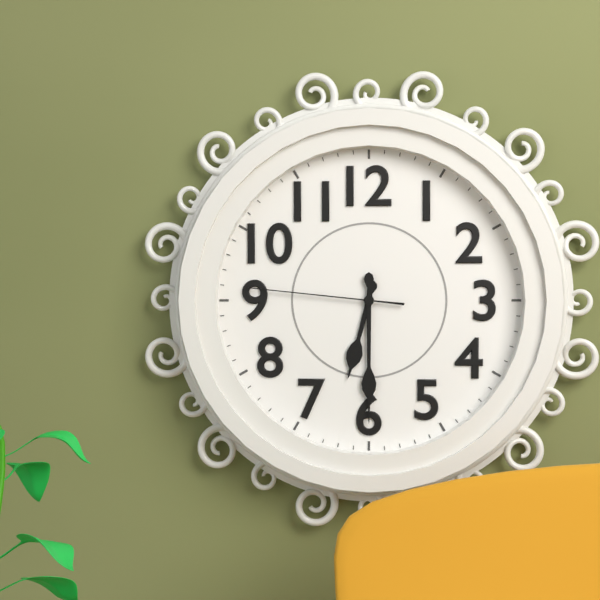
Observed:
{"hour": 6, "minute": 30, "second": 46}
